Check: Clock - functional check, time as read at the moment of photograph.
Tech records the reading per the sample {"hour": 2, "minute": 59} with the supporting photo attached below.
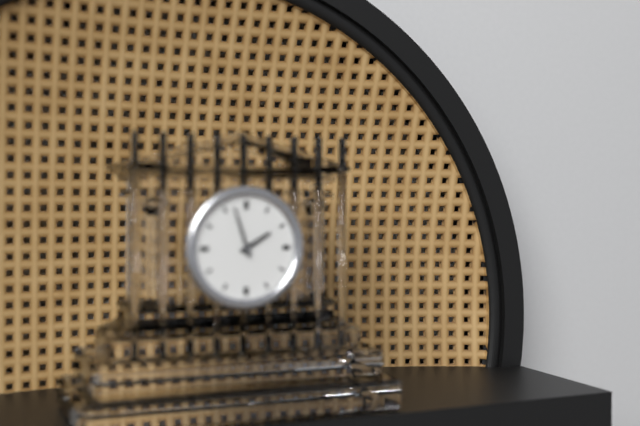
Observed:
{"hour": 1, "minute": 57}
